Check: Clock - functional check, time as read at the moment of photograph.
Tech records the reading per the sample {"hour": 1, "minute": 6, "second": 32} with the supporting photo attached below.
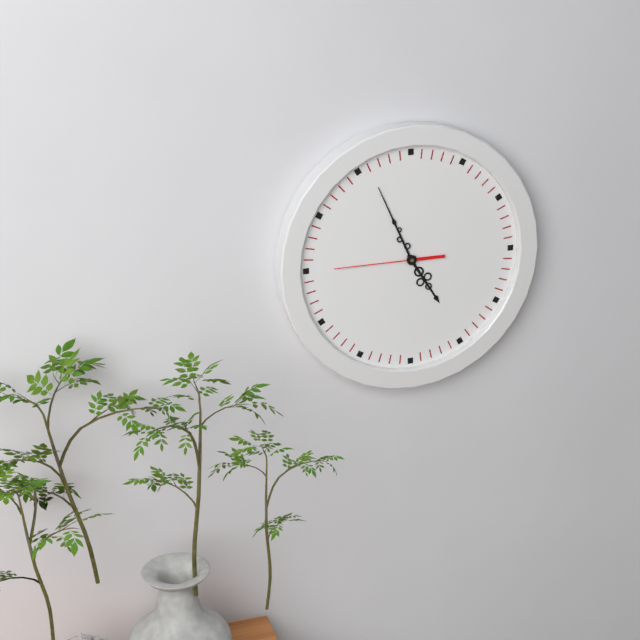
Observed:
{"hour": 4, "minute": 56, "second": 45}
